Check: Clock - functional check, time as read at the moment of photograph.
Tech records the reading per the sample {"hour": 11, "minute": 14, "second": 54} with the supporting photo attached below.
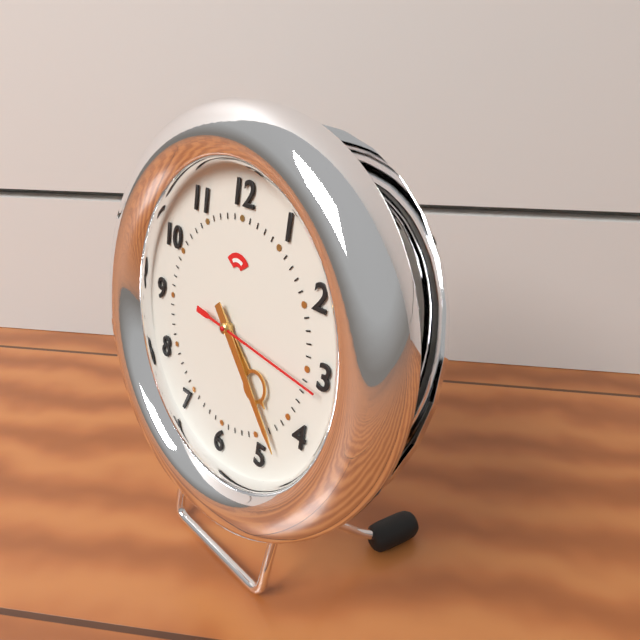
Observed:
{"hour": 4, "minute": 23, "second": 16}
